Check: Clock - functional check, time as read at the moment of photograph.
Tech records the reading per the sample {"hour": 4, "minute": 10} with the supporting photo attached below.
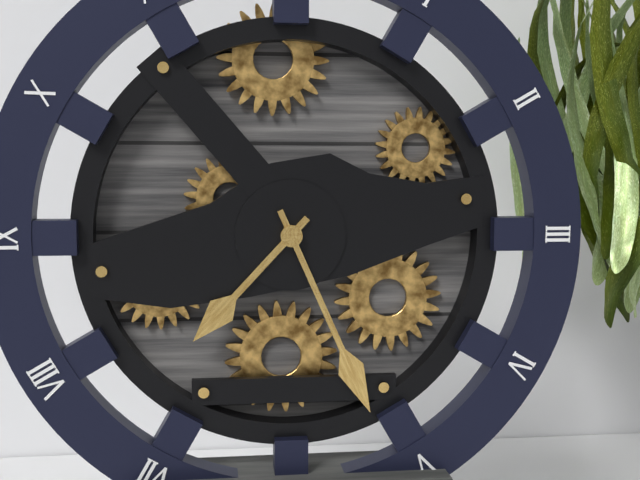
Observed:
{"hour": 7, "minute": 26}
